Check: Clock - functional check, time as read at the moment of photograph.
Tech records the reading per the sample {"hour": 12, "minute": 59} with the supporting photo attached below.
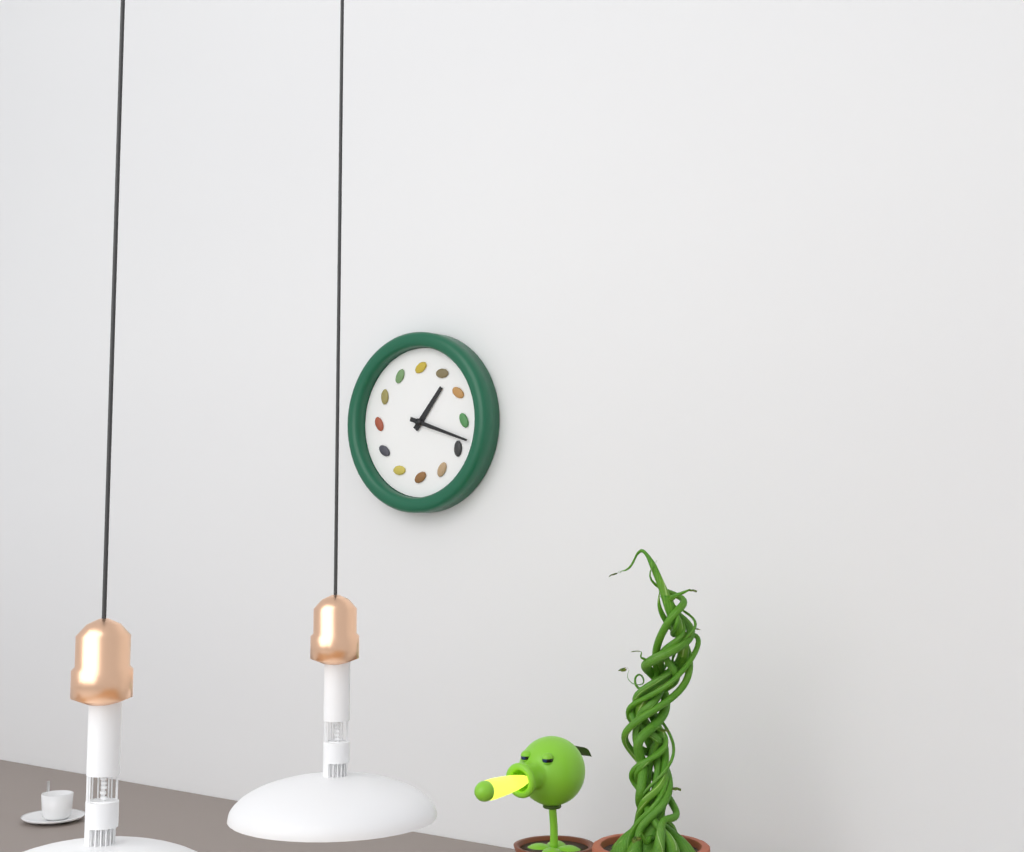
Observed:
{"hour": 1, "minute": 18}
